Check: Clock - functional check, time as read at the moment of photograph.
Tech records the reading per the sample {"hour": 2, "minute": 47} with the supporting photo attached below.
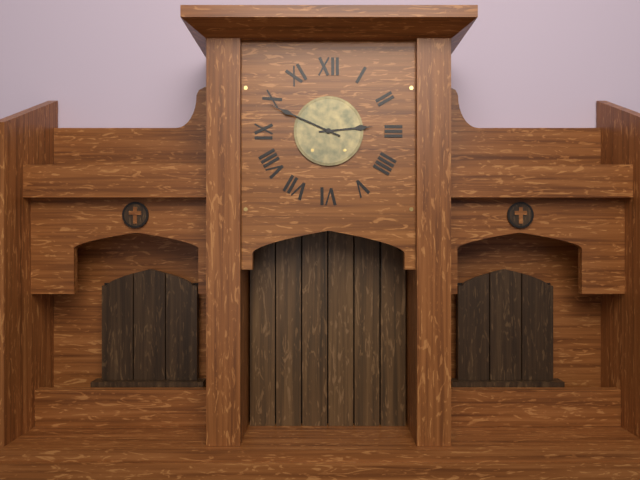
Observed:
{"hour": 2, "minute": 49}
